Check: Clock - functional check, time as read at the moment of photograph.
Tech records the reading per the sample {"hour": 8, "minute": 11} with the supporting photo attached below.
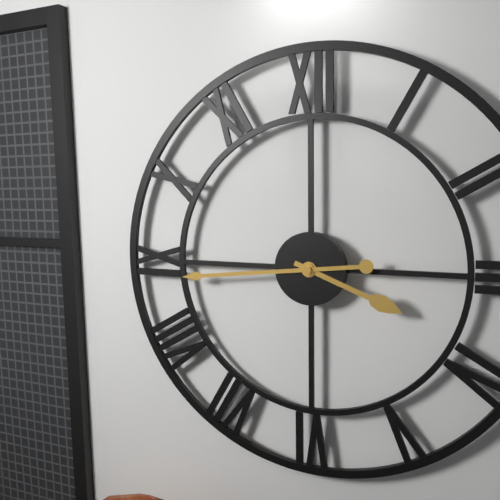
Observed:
{"hour": 3, "minute": 44}
